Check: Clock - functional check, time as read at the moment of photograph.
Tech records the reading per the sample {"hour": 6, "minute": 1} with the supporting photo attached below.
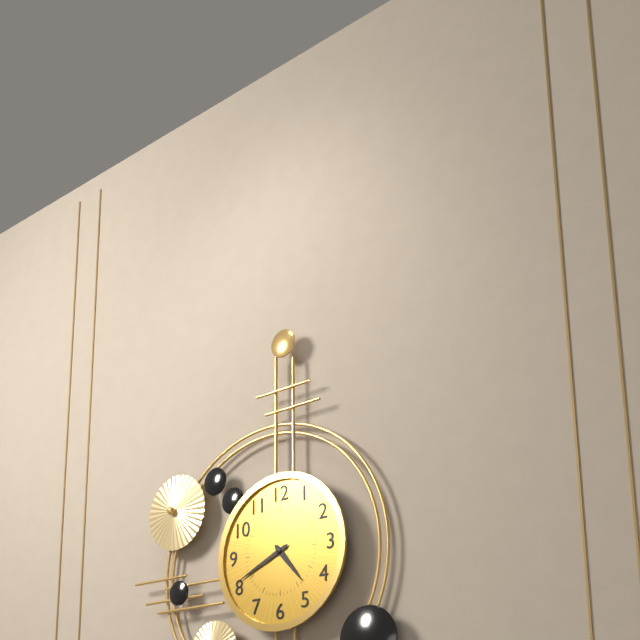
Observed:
{"hour": 4, "minute": 41}
